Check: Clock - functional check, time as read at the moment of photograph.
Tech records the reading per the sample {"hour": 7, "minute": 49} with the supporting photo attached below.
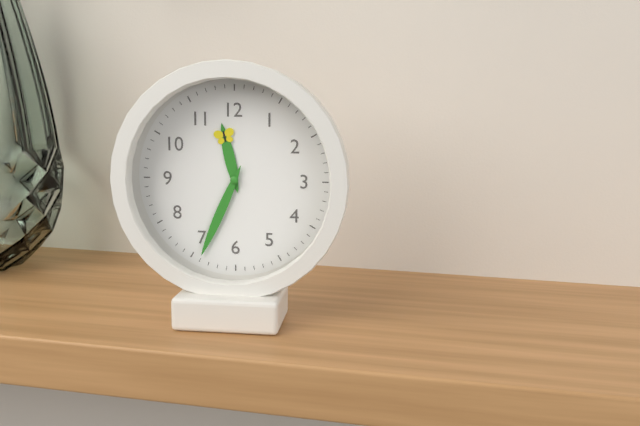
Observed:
{"hour": 11, "minute": 34}
